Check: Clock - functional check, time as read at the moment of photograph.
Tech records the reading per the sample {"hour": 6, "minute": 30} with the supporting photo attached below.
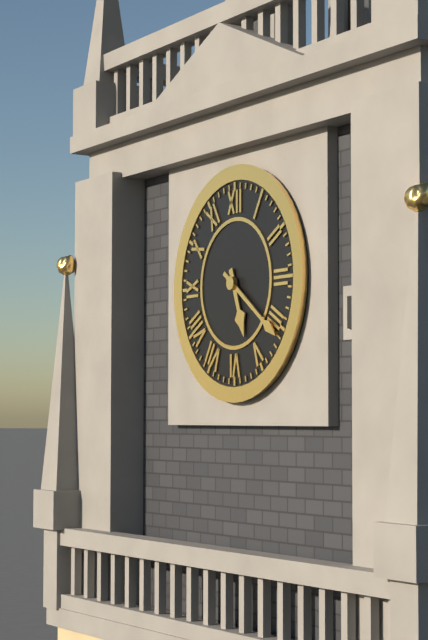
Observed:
{"hour": 5, "minute": 21}
